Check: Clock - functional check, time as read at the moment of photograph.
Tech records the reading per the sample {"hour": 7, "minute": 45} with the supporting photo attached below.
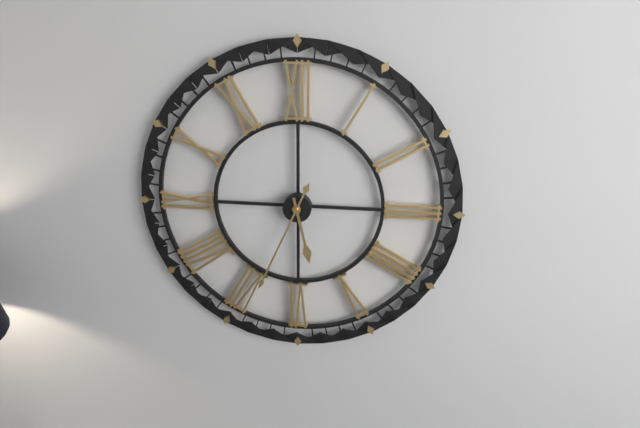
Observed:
{"hour": 5, "minute": 34}
